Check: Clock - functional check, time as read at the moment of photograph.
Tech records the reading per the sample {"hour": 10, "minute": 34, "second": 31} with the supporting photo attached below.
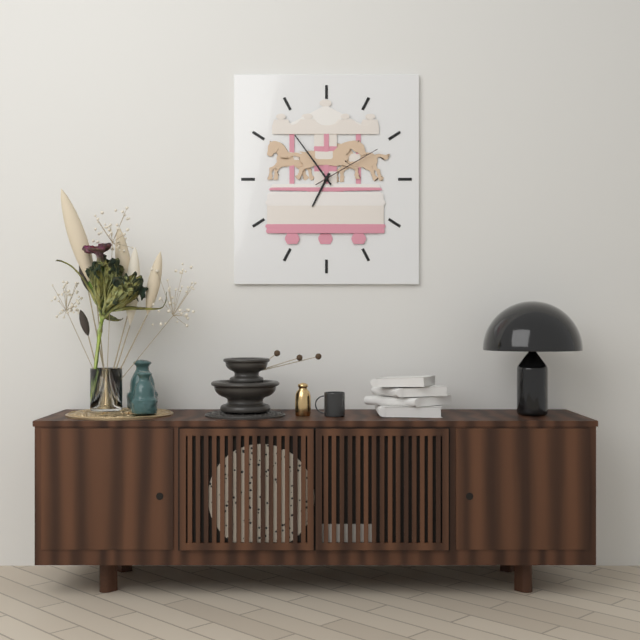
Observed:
{"hour": 6, "minute": 54, "second": 10}
